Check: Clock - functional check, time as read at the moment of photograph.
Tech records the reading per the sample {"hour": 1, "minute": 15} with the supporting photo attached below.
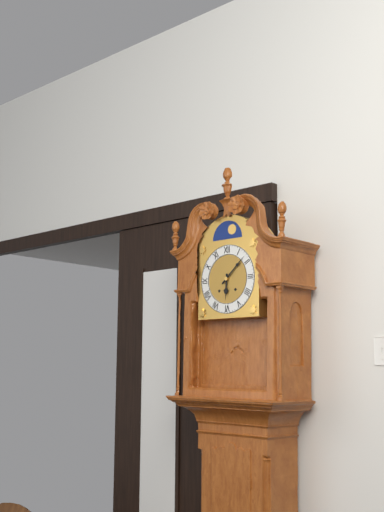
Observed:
{"hour": 6, "minute": 8}
